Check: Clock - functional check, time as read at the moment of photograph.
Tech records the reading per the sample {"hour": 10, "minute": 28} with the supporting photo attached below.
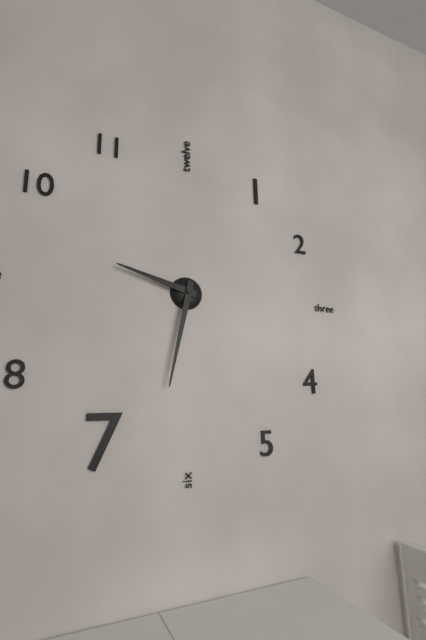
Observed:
{"hour": 9, "minute": 32}
